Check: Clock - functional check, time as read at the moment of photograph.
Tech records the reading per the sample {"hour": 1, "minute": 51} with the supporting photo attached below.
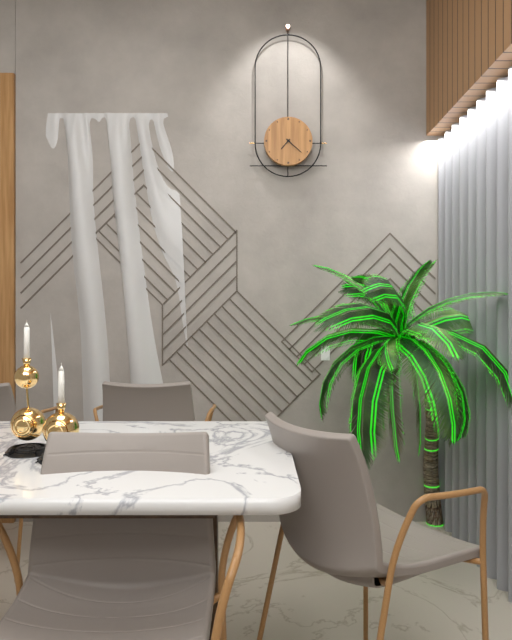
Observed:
{"hour": 7, "minute": 22}
